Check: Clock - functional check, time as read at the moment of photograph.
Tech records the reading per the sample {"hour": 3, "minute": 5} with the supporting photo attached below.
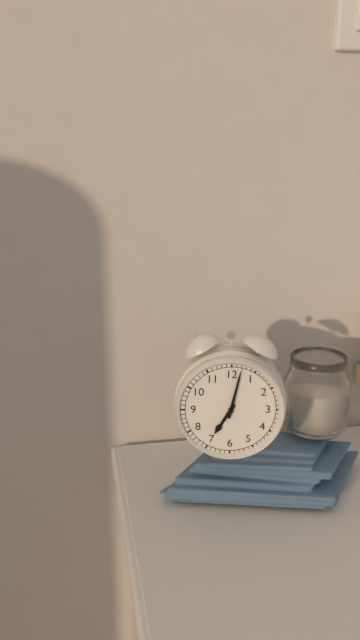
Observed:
{"hour": 7, "minute": 2}
